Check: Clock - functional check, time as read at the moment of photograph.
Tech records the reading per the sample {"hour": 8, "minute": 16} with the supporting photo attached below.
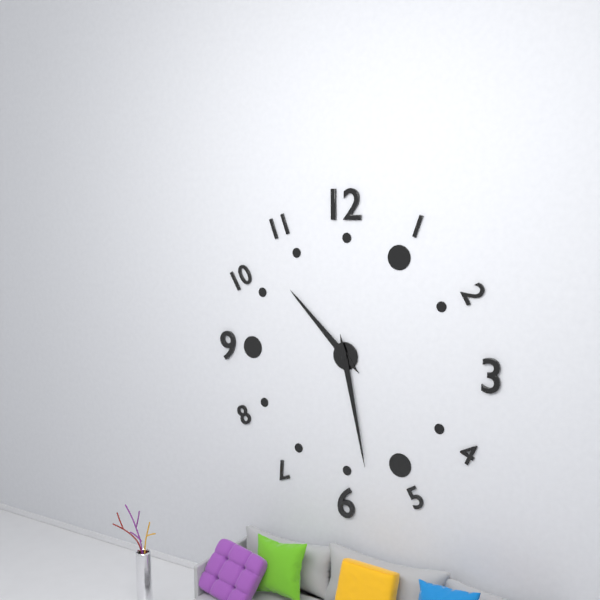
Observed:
{"hour": 10, "minute": 28}
